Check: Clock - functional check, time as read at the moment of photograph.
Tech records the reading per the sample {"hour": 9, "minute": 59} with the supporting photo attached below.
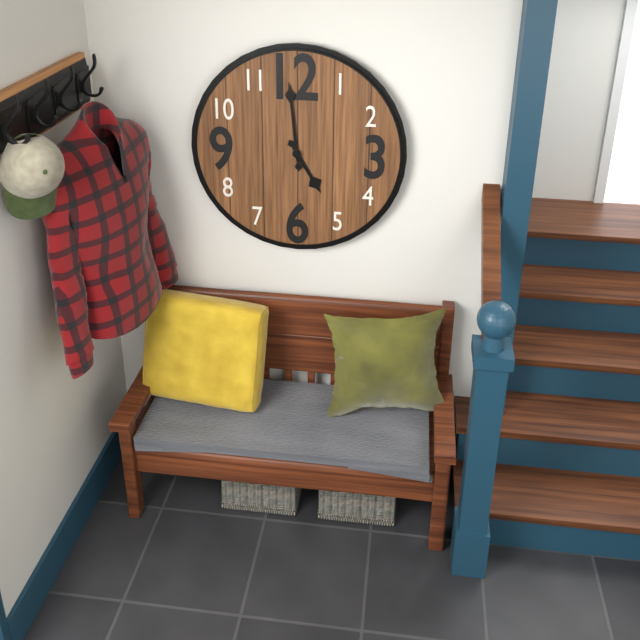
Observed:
{"hour": 4, "minute": 59}
